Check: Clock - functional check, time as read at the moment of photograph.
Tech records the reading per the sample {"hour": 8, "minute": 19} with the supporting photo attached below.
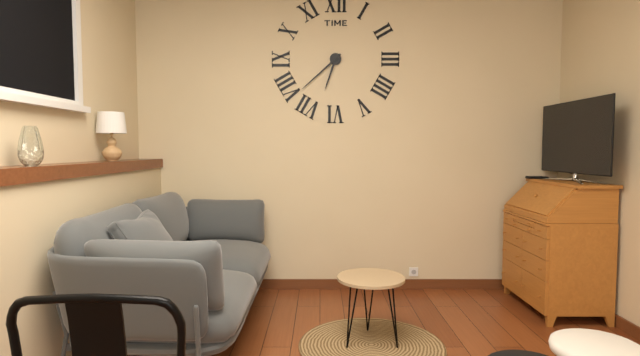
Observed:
{"hour": 6, "minute": 38}
